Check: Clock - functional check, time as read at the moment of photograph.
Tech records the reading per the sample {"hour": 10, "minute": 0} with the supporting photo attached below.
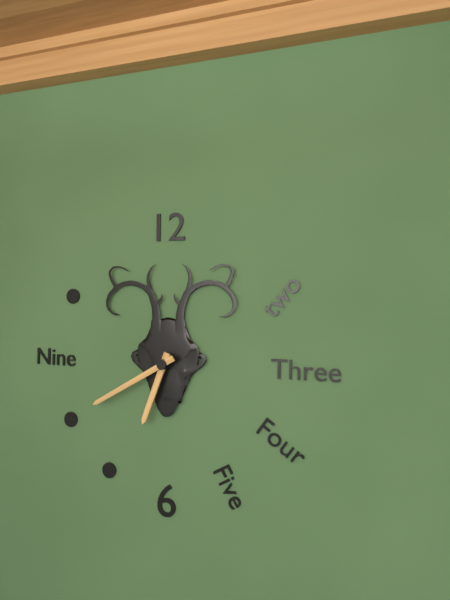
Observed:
{"hour": 6, "minute": 40}
